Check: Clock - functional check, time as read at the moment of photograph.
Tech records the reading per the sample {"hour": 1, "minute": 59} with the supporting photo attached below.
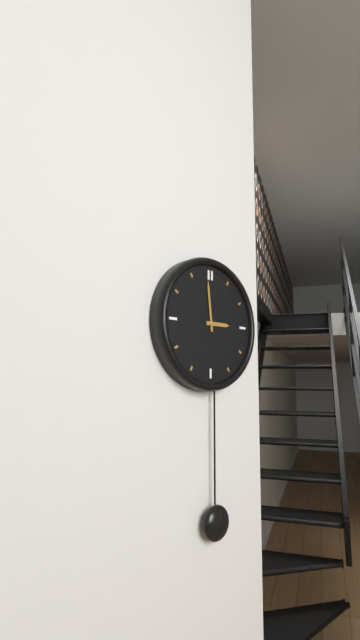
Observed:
{"hour": 2, "minute": 59}
